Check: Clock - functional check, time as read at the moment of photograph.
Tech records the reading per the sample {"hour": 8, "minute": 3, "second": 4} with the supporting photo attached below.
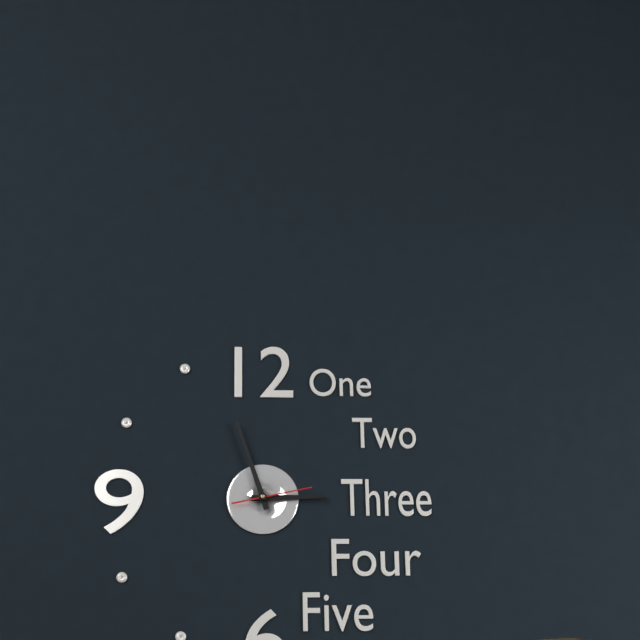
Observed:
{"hour": 2, "minute": 57, "second": 13}
